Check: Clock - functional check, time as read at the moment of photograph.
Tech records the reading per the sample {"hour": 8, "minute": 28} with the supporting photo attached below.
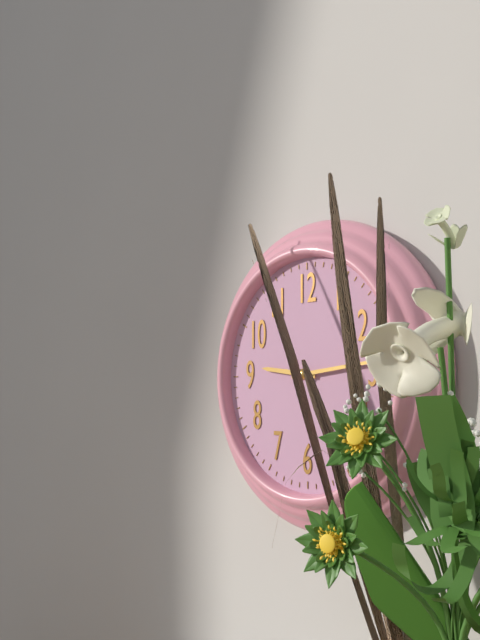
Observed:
{"hour": 9, "minute": 14}
